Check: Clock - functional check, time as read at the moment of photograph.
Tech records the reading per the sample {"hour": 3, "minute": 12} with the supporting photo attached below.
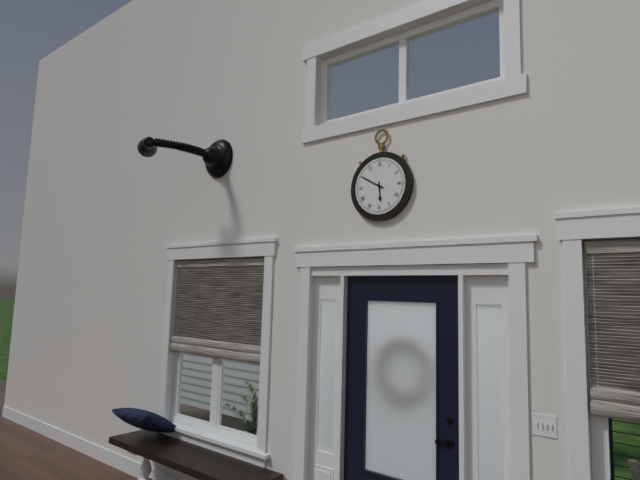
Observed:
{"hour": 5, "minute": 50}
